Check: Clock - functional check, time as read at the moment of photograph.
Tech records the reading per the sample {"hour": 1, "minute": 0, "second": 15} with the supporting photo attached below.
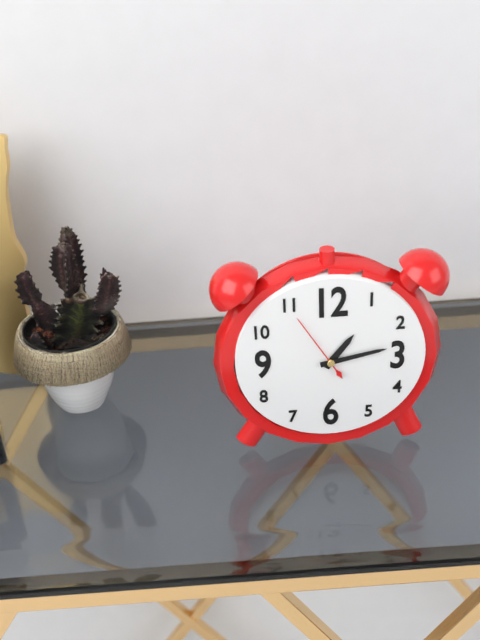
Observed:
{"hour": 1, "minute": 13, "second": 55}
